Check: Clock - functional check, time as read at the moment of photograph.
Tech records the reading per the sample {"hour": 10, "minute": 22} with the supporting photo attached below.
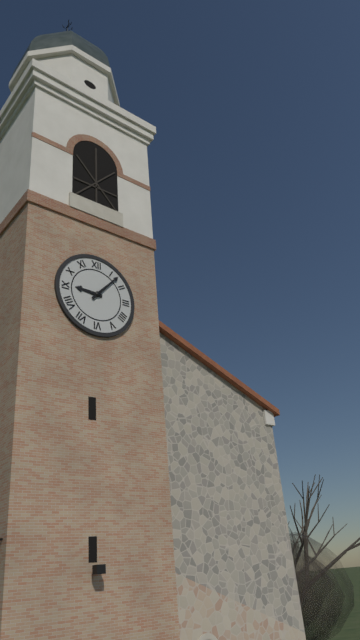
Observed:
{"hour": 9, "minute": 7}
